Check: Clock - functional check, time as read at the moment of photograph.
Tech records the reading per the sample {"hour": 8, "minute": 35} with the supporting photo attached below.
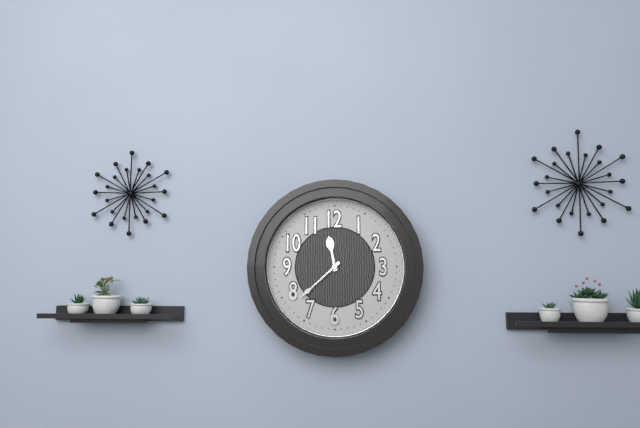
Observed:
{"hour": 11, "minute": 38}
